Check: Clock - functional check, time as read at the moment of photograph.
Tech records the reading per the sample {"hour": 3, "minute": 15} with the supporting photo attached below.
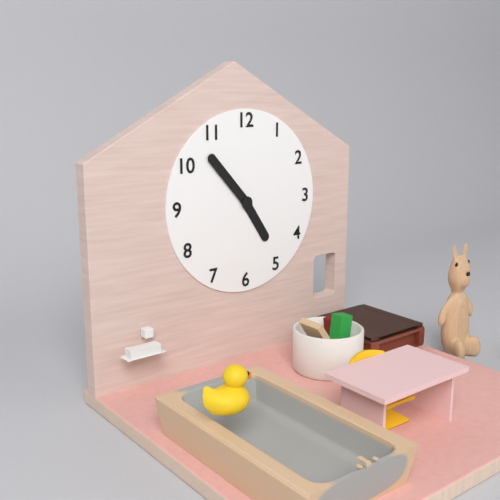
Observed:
{"hour": 4, "minute": 53}
